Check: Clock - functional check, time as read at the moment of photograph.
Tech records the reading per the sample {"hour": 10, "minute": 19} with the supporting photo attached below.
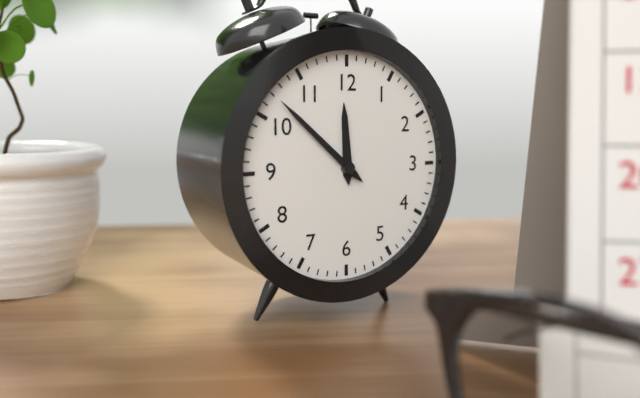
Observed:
{"hour": 11, "minute": 52}
